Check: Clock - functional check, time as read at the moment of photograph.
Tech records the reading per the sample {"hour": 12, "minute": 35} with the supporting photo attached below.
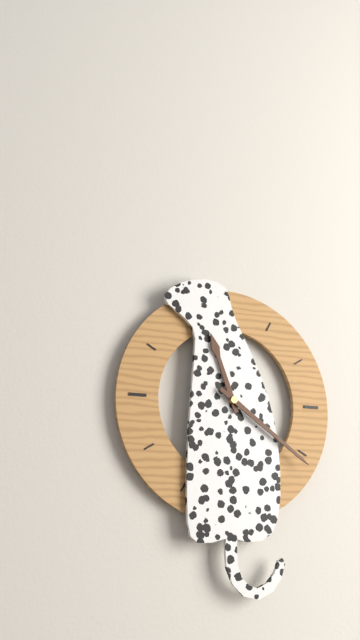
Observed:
{"hour": 11, "minute": 21}
